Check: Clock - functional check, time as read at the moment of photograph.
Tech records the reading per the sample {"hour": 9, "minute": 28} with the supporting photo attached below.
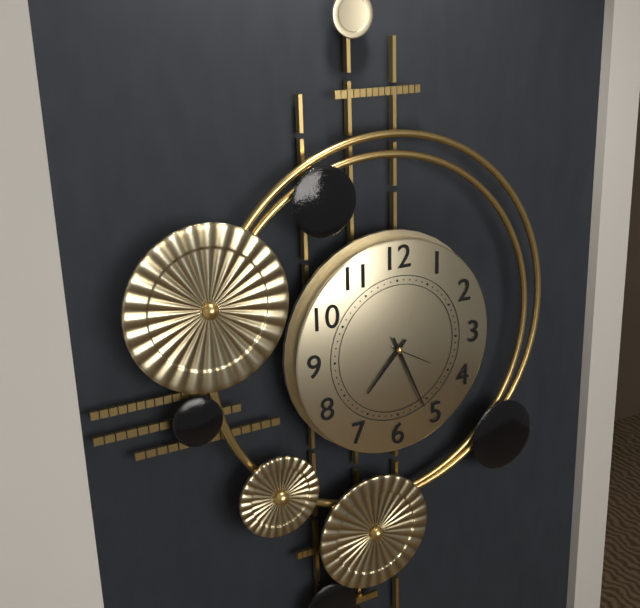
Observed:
{"hour": 7, "minute": 26}
